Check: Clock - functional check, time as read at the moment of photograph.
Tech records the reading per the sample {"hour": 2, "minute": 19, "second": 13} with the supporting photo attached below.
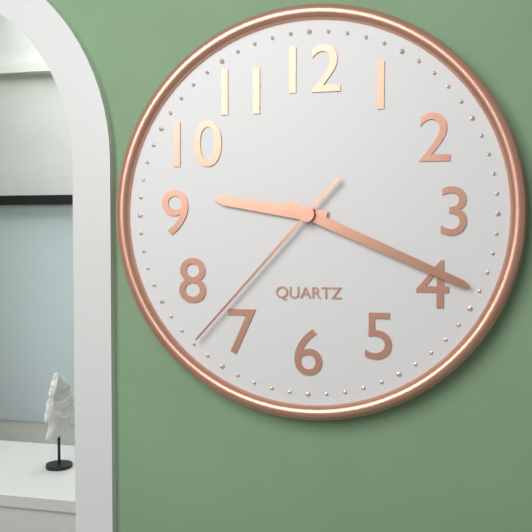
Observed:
{"hour": 9, "minute": 19, "second": 37}
